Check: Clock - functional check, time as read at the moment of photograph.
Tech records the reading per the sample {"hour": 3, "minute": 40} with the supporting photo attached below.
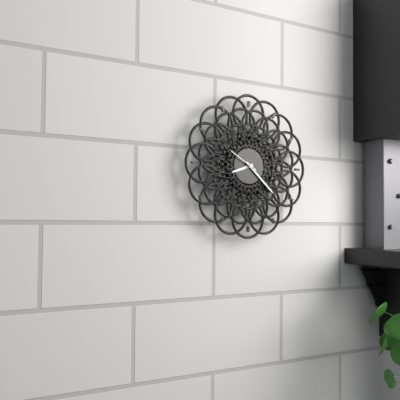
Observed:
{"hour": 8, "minute": 22}
